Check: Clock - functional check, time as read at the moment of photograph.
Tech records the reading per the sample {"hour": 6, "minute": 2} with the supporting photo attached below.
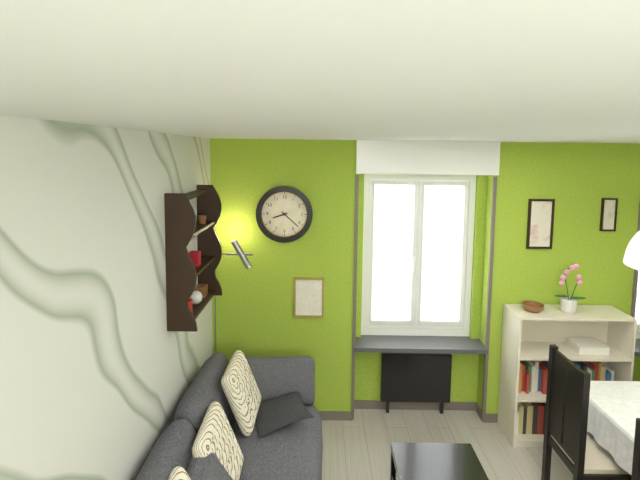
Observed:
{"hour": 8, "minute": 22}
